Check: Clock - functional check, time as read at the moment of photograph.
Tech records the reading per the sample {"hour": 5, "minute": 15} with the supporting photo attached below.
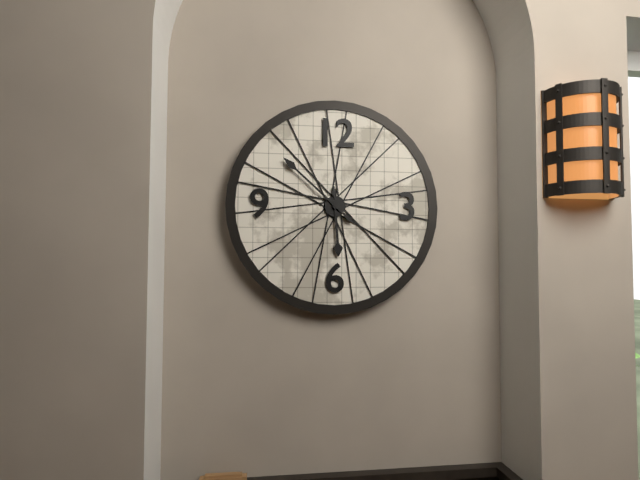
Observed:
{"hour": 5, "minute": 52}
